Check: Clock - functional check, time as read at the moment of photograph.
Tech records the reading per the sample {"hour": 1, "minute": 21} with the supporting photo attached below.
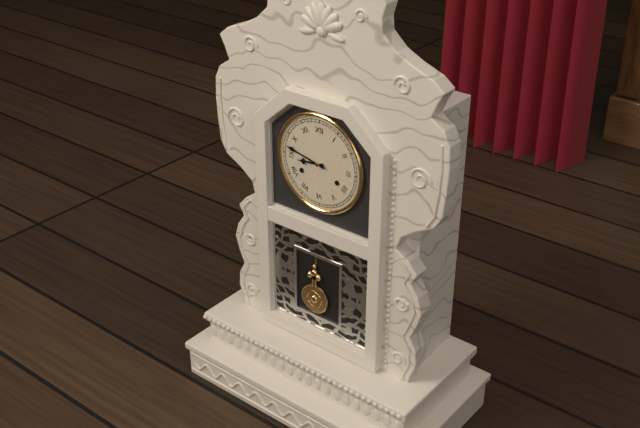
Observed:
{"hour": 8, "minute": 47}
